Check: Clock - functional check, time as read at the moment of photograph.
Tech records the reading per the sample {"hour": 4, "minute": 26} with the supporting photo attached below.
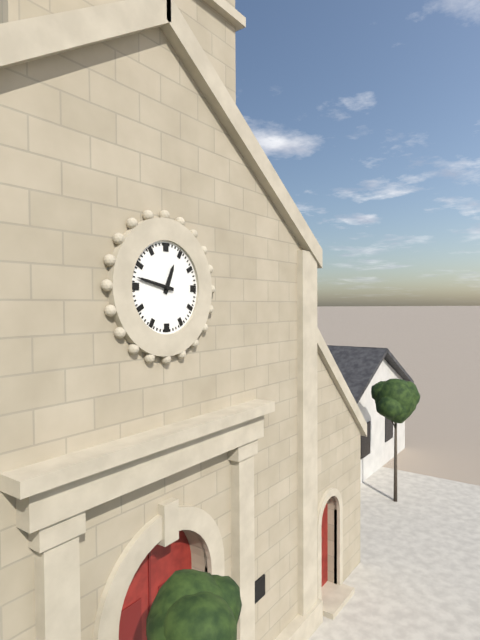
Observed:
{"hour": 12, "minute": 47}
